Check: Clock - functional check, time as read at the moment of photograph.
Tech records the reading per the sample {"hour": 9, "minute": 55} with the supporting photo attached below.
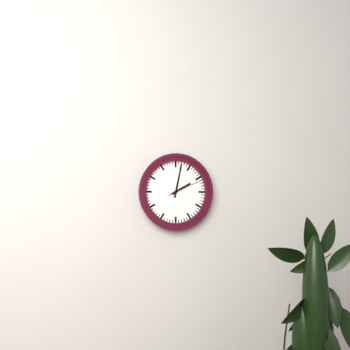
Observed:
{"hour": 2, "minute": 2}
